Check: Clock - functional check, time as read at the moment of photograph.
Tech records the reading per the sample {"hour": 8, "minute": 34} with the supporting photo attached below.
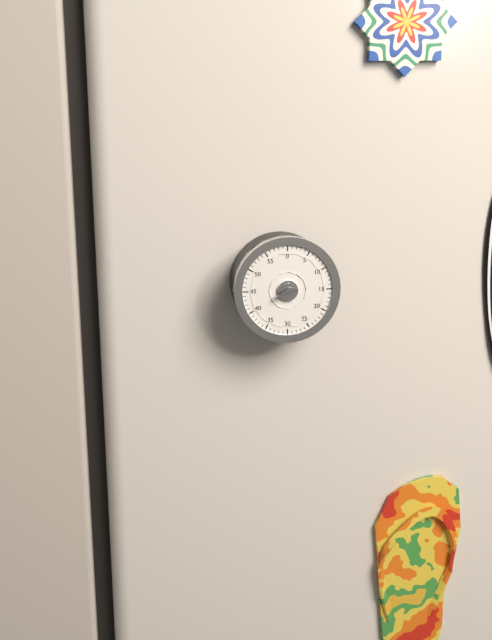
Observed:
{"hour": 2, "minute": 41}
